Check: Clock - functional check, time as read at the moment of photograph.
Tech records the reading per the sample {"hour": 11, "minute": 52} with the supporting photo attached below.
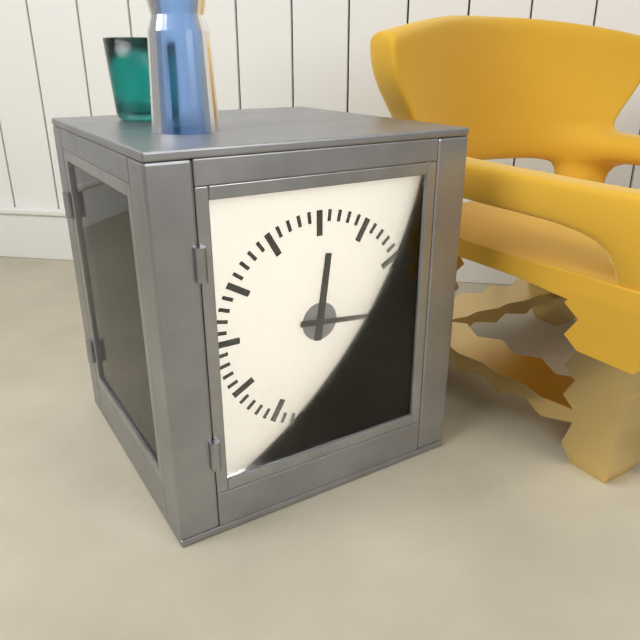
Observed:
{"hour": 12, "minute": 16}
